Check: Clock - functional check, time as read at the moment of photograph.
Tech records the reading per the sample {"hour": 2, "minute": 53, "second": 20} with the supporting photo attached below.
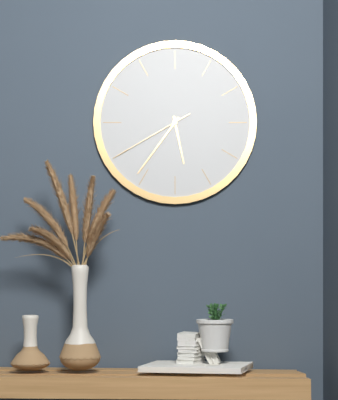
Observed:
{"hour": 5, "minute": 36, "second": 40}
